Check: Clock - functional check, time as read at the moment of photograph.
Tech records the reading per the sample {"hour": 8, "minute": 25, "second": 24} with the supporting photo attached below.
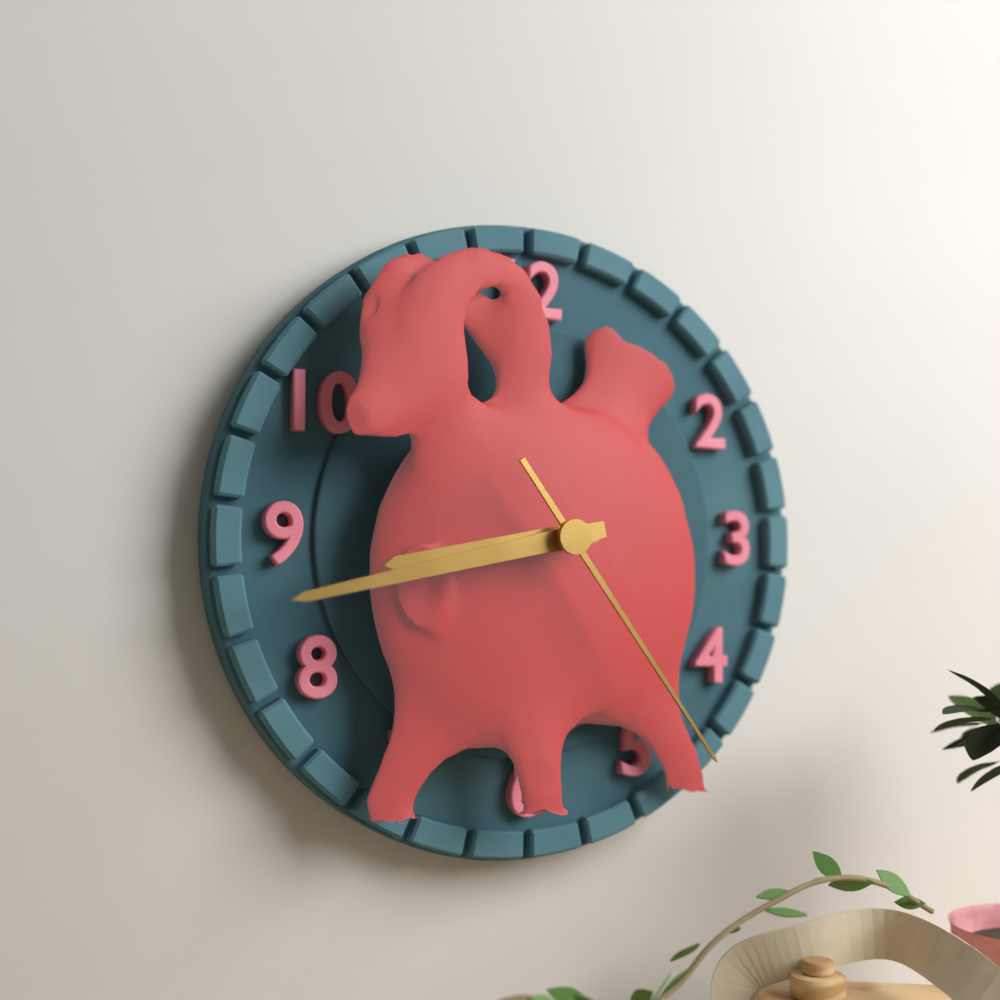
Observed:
{"hour": 8, "minute": 43, "second": 24}
